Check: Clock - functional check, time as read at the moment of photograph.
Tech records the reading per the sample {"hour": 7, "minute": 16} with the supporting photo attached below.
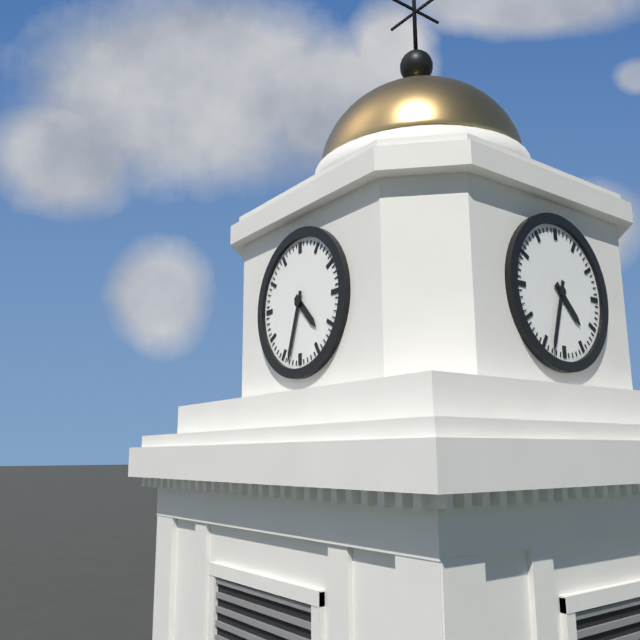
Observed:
{"hour": 4, "minute": 33}
